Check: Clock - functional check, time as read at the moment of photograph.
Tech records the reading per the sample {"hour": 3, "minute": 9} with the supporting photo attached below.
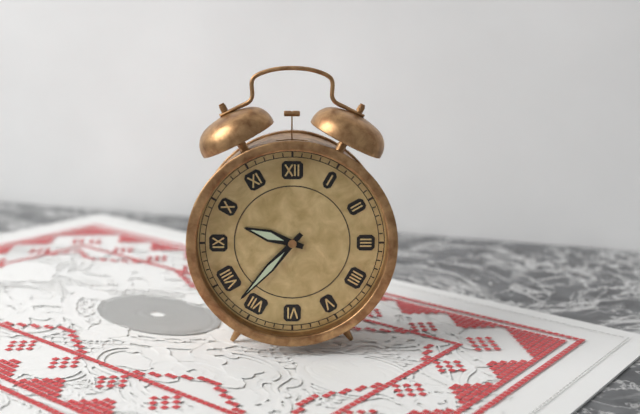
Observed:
{"hour": 9, "minute": 37}
